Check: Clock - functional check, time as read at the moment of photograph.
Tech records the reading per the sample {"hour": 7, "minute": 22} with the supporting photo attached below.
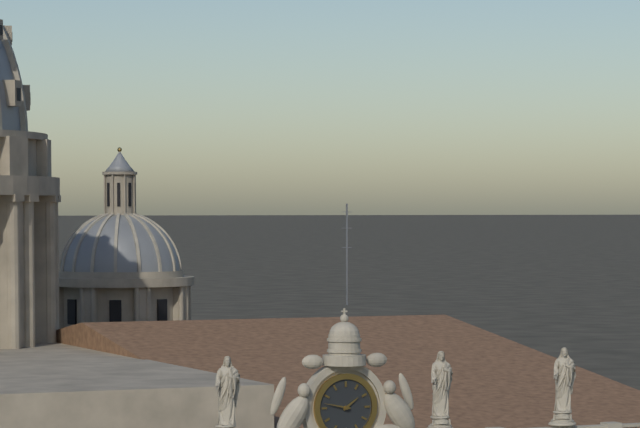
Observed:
{"hour": 1, "minute": 47}
